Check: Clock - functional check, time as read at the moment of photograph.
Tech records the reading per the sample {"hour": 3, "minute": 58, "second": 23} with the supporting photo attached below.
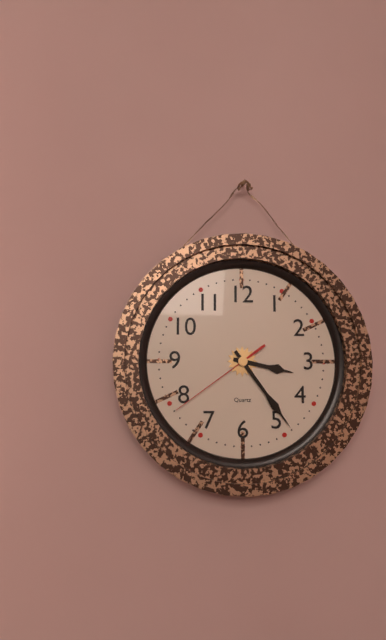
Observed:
{"hour": 3, "minute": 24, "second": 39}
